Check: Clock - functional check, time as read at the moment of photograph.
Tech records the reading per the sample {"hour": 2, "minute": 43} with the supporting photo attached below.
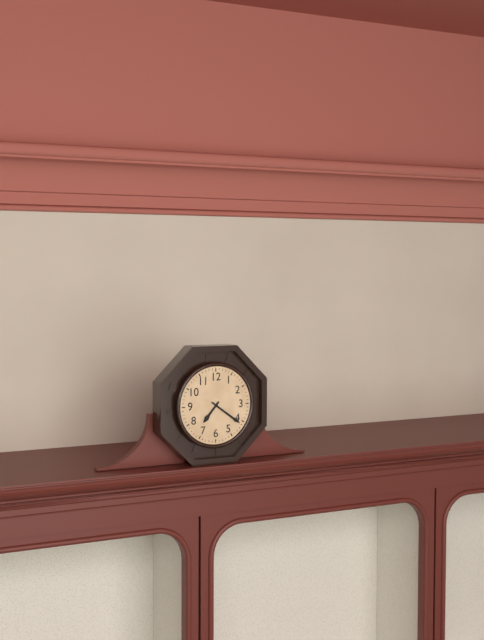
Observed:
{"hour": 7, "minute": 21}
